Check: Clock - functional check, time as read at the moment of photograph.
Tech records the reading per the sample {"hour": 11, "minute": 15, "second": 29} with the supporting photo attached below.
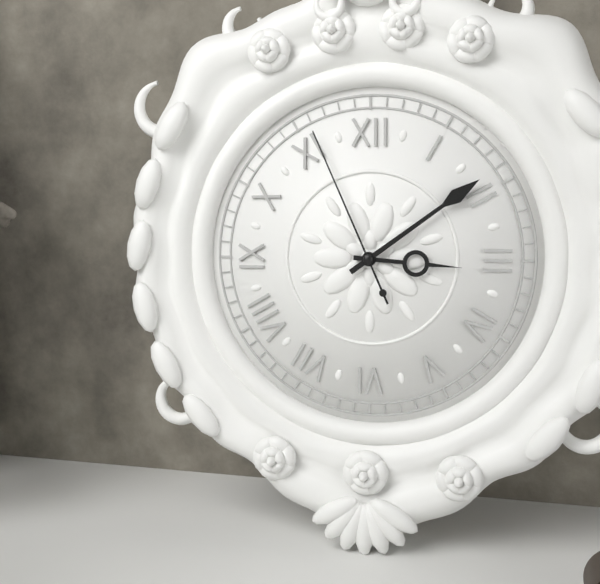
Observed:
{"hour": 3, "minute": 9, "second": 56}
